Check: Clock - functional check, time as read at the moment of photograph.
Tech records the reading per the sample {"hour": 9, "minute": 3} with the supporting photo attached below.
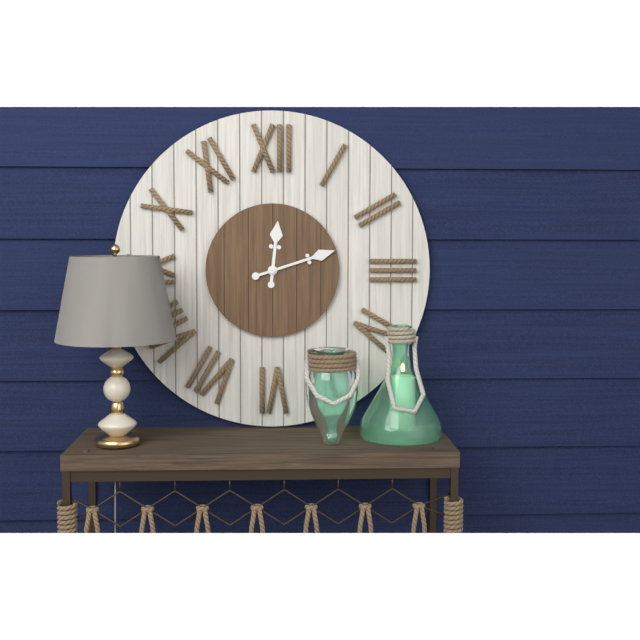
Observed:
{"hour": 12, "minute": 12}
